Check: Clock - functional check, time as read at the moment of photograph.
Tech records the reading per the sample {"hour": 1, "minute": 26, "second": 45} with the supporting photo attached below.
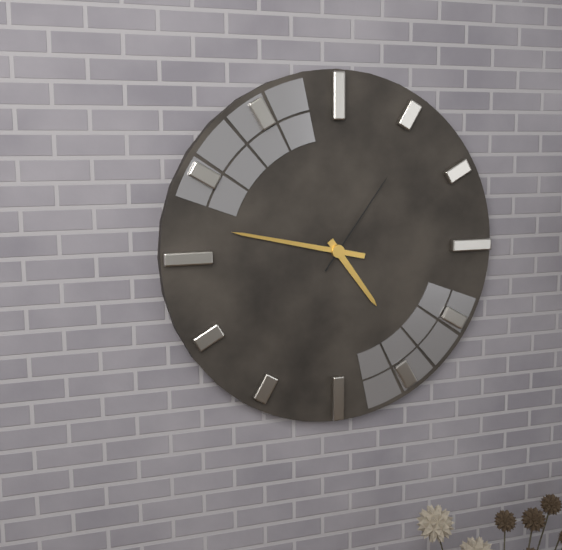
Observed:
{"hour": 4, "minute": 47, "second": 6}
